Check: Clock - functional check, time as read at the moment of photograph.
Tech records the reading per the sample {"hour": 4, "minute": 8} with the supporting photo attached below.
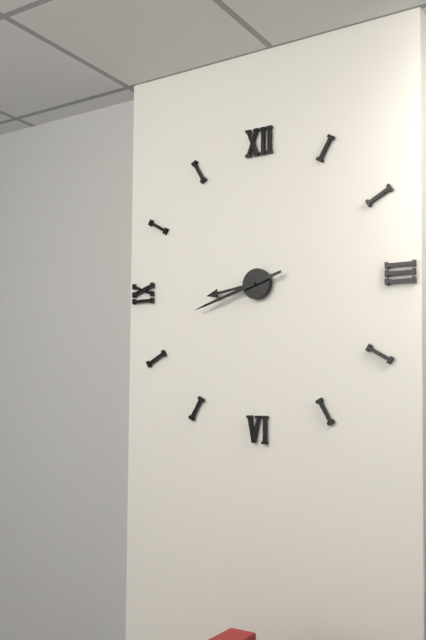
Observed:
{"hour": 8, "minute": 42}
